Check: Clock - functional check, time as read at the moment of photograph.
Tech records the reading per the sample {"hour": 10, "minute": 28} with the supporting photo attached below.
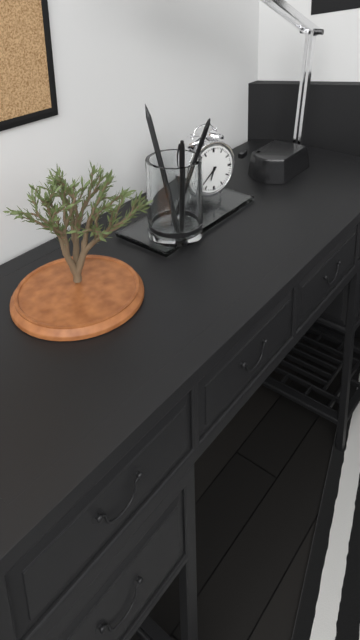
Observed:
{"hour": 6, "minute": 38}
